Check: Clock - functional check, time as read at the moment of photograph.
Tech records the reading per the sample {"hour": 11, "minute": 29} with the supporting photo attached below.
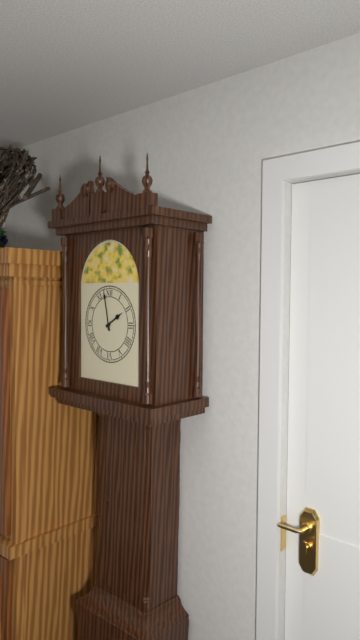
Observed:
{"hour": 1, "minute": 58}
